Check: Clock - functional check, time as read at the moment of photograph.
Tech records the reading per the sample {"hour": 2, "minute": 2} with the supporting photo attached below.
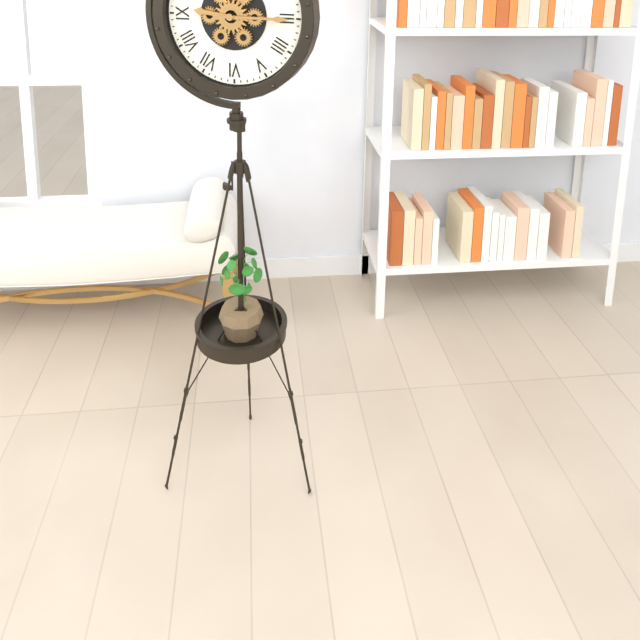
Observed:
{"hour": 9, "minute": 15}
